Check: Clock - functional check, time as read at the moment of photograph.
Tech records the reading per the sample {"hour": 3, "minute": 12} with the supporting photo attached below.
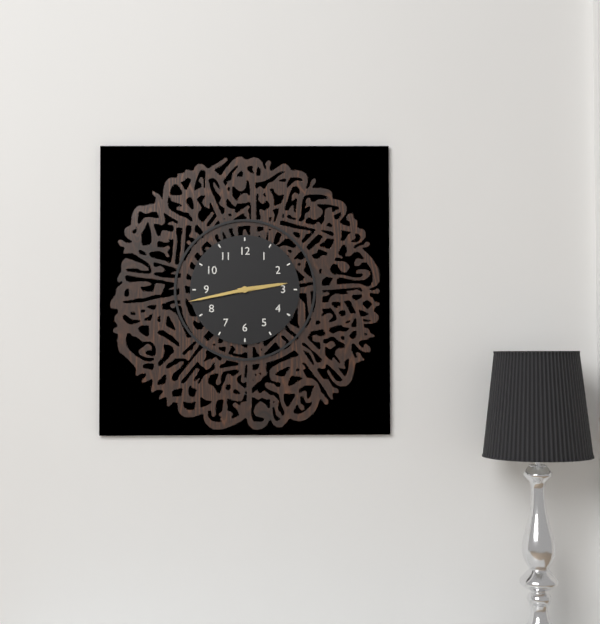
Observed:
{"hour": 2, "minute": 43}
